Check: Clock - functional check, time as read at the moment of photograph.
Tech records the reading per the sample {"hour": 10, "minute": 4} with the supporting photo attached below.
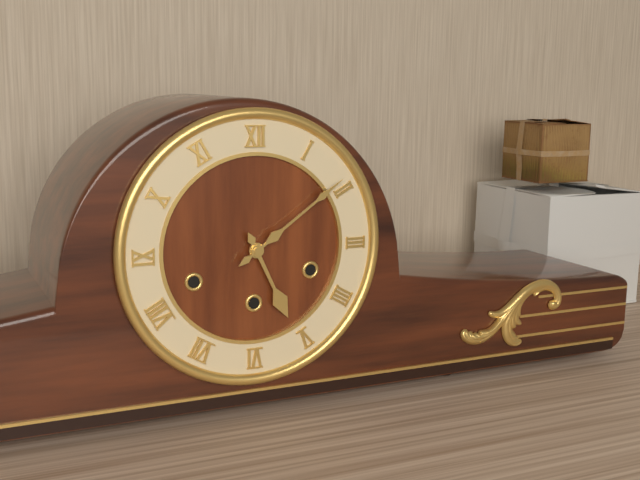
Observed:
{"hour": 5, "minute": 9}
